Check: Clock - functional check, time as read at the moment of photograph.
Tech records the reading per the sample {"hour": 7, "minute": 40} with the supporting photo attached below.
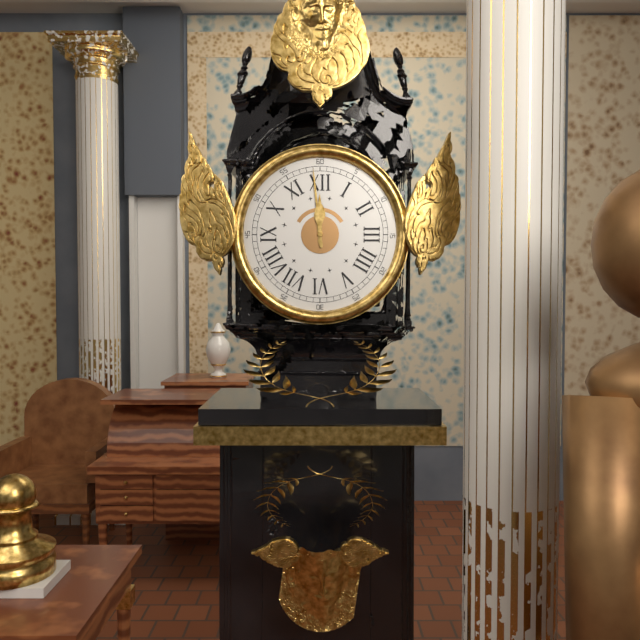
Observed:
{"hour": 11, "minute": 59}
